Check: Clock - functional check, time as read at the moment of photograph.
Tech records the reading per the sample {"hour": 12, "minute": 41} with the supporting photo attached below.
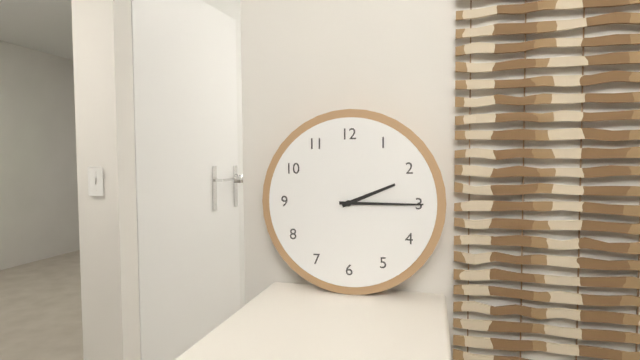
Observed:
{"hour": 2, "minute": 15}
